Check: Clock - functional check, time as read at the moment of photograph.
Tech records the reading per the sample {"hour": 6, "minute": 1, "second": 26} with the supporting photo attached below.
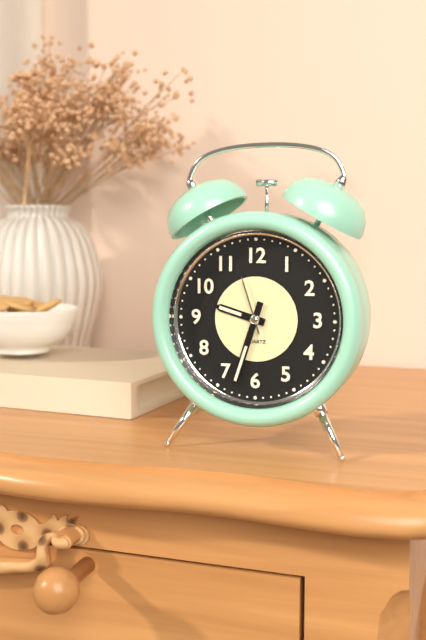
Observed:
{"hour": 9, "minute": 33, "second": 57}
